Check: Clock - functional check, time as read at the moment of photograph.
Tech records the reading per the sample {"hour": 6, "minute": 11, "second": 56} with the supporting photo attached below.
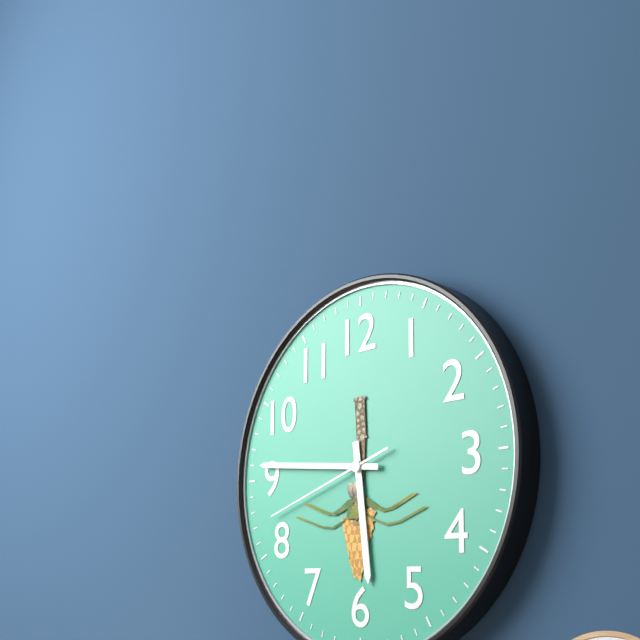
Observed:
{"hour": 5, "minute": 46, "second": 42}
